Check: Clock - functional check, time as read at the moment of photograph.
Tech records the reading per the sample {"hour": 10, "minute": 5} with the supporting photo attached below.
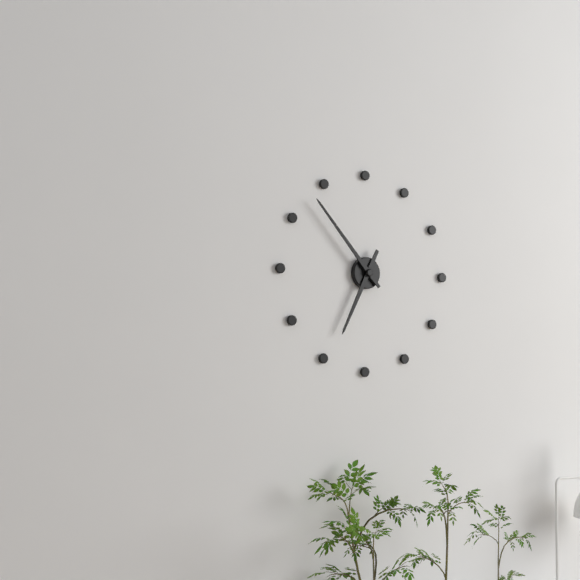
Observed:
{"hour": 6, "minute": 53}
